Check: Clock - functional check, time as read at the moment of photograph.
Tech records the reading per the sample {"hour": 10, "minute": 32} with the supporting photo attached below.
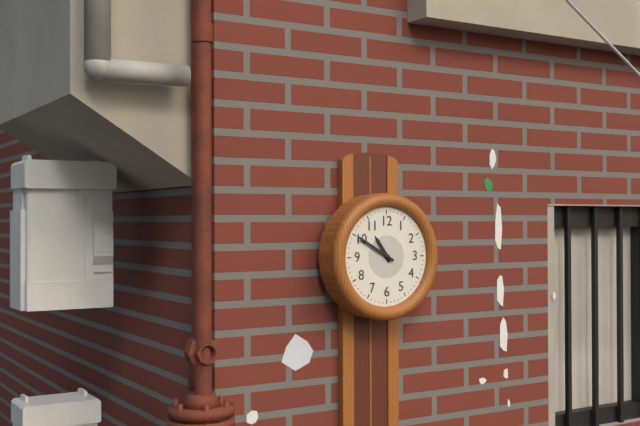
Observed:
{"hour": 10, "minute": 50}
